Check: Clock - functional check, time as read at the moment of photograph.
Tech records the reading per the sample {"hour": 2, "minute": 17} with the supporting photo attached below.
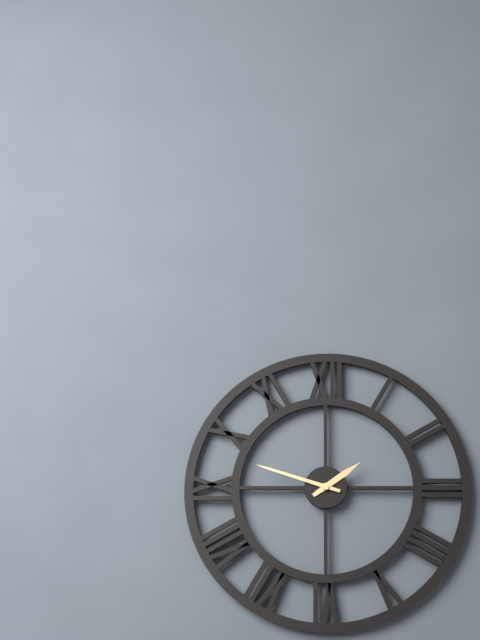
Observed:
{"hour": 1, "minute": 48}
